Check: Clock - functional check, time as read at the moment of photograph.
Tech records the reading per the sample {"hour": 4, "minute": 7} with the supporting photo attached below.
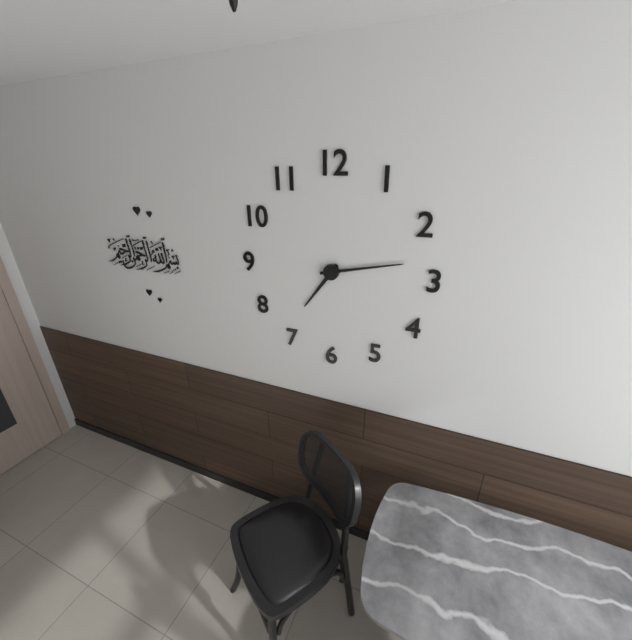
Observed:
{"hour": 7, "minute": 13}
